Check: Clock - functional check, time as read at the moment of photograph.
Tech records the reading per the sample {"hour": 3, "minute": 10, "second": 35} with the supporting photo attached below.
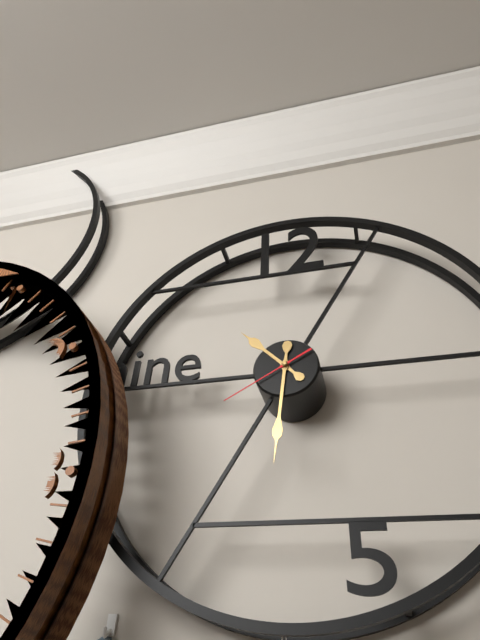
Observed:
{"hour": 10, "minute": 31, "second": 40}
